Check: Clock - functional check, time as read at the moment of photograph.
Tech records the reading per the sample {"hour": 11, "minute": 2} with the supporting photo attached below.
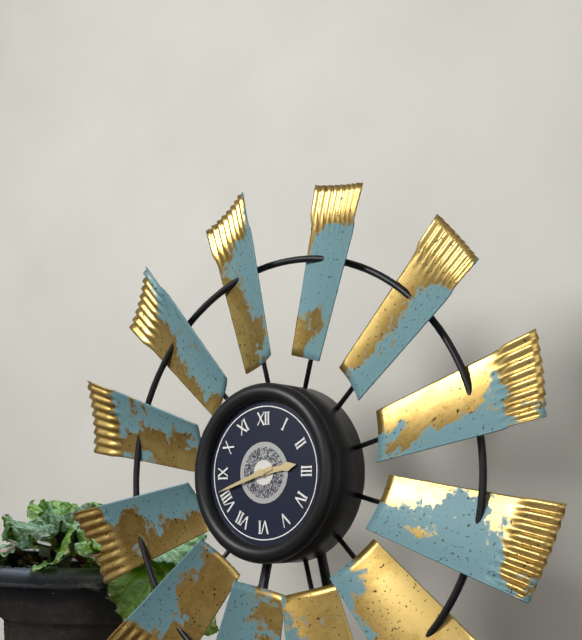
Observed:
{"hour": 2, "minute": 42}
